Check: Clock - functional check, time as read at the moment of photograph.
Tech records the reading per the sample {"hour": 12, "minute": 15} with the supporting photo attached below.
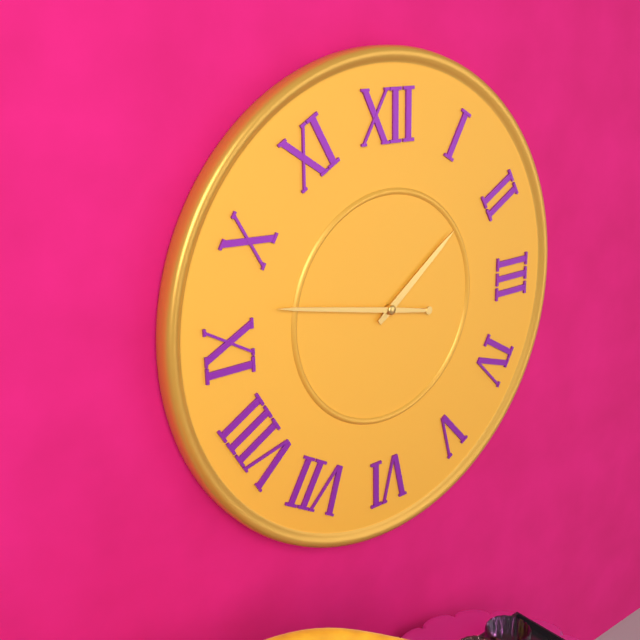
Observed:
{"hour": 1, "minute": 47}
